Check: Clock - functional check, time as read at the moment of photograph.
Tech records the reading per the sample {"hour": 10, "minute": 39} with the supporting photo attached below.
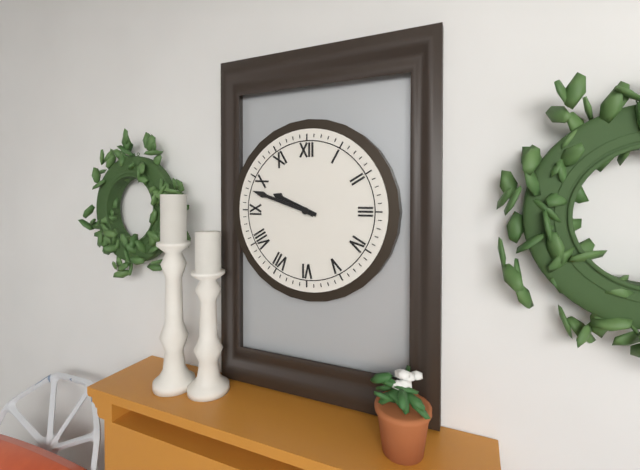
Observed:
{"hour": 9, "minute": 48}
